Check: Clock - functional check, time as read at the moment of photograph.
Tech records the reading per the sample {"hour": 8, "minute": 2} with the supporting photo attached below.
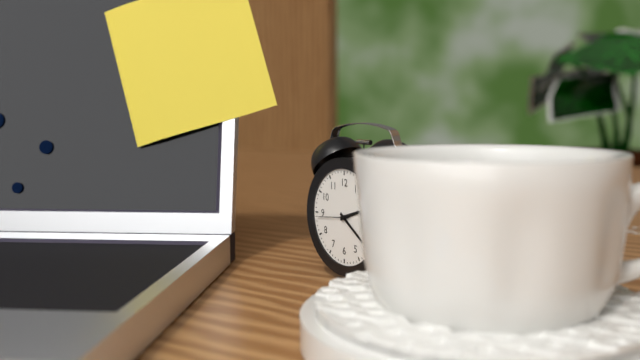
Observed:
{"hour": 2, "minute": 21}
